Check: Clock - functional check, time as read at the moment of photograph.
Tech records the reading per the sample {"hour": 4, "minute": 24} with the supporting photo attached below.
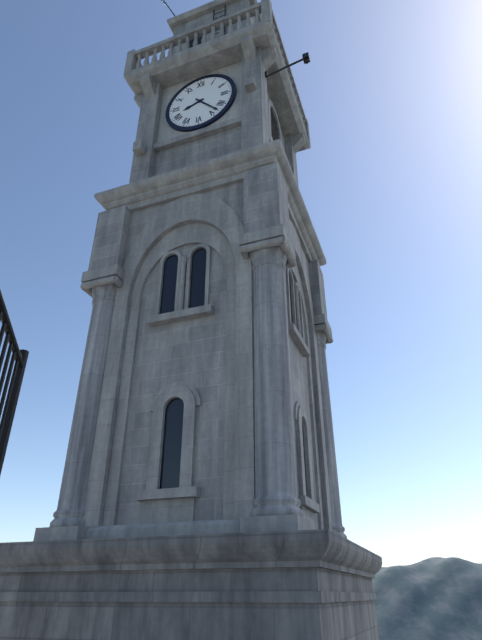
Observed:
{"hour": 8, "minute": 23}
